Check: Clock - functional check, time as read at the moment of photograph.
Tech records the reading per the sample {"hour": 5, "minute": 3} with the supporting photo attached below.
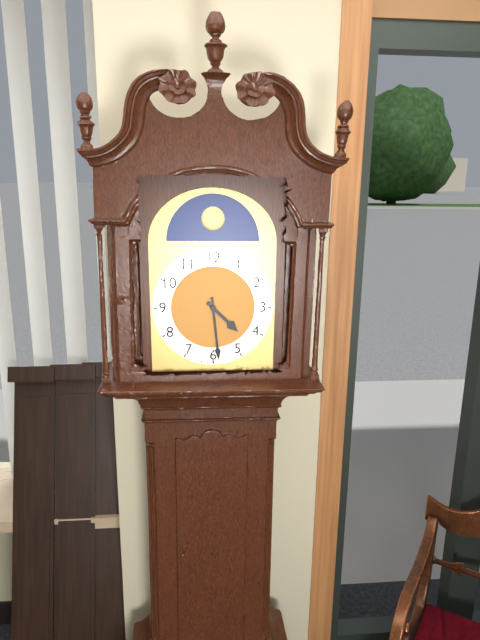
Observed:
{"hour": 4, "minute": 29}
